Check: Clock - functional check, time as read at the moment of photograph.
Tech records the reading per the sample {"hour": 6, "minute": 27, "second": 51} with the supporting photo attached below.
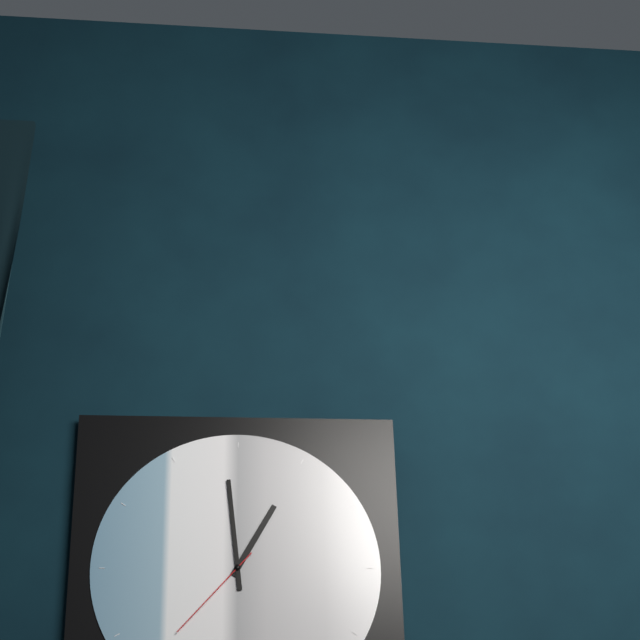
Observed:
{"hour": 12, "minute": 59, "second": 37}
